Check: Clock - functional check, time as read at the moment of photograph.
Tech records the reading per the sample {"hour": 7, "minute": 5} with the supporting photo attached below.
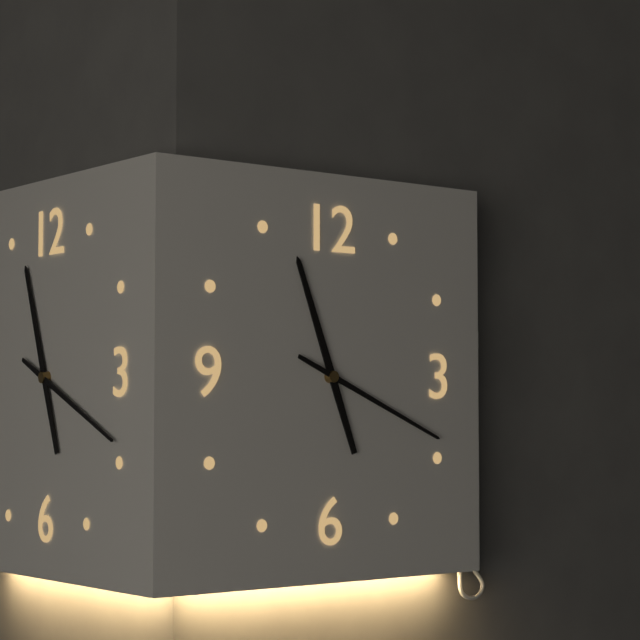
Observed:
{"hour": 11, "minute": 19}
